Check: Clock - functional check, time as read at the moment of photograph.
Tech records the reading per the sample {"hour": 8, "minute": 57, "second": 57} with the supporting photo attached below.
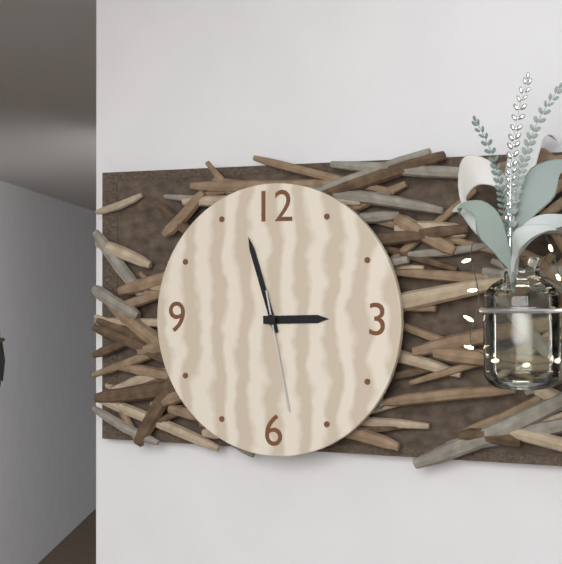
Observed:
{"hour": 2, "minute": 57, "second": 28}
